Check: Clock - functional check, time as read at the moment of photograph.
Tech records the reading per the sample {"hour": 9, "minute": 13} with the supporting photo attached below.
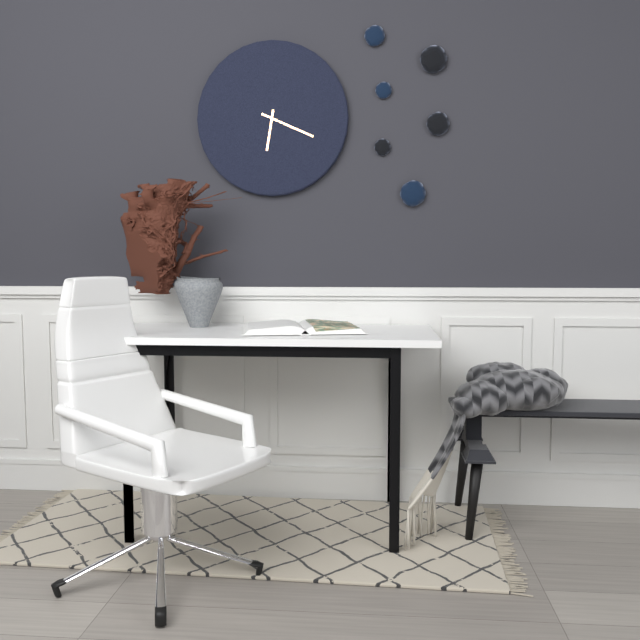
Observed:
{"hour": 6, "minute": 19}
